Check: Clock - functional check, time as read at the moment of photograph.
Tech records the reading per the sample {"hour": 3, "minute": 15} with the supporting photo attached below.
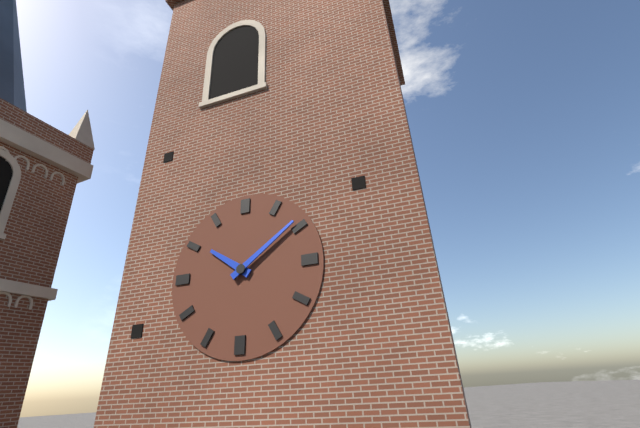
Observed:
{"hour": 10, "minute": 9}
